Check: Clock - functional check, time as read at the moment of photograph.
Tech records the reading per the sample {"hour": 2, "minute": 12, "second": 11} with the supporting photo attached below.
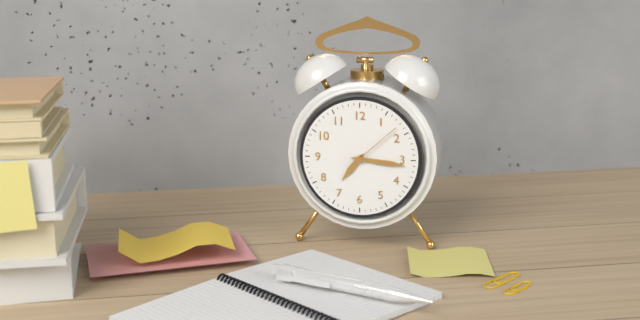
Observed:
{"hour": 7, "minute": 16, "second": 8}
